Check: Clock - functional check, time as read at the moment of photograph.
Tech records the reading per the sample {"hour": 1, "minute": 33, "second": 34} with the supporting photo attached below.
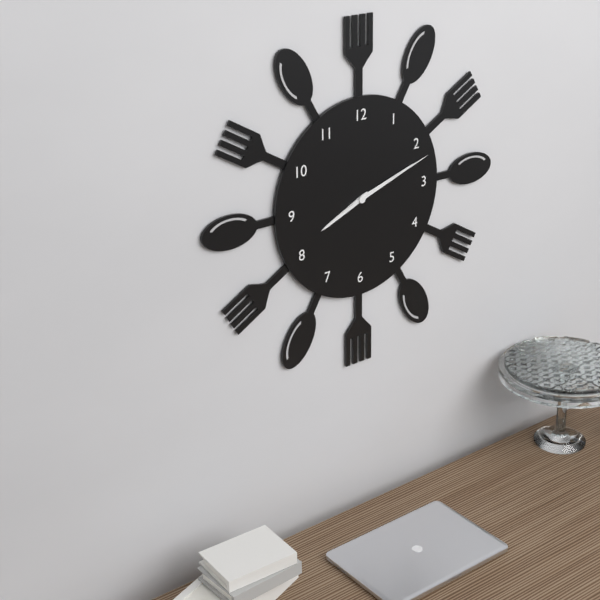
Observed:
{"hour": 8, "minute": 12, "second": 12}
